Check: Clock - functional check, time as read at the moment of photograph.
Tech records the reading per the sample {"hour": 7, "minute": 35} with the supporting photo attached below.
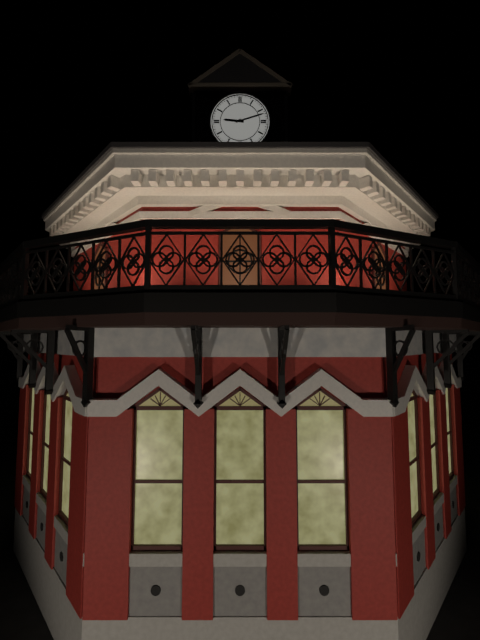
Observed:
{"hour": 9, "minute": 12}
